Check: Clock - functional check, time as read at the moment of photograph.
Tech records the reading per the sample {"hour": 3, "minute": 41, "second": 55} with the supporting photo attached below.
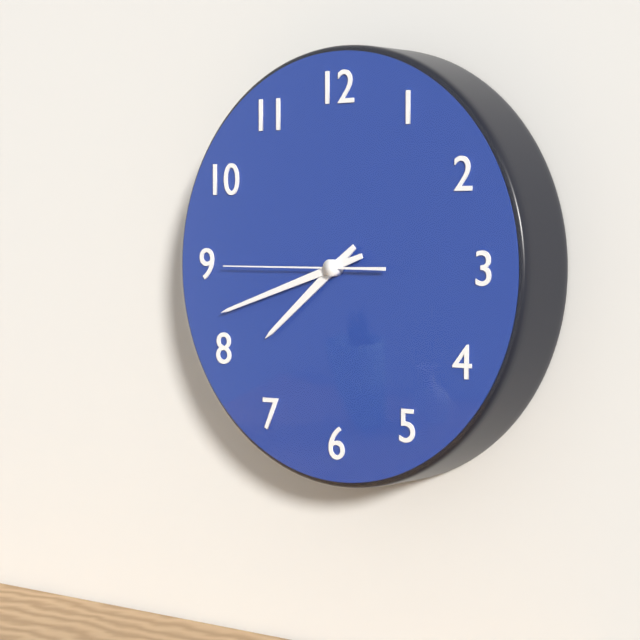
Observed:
{"hour": 7, "minute": 42, "second": 45}
